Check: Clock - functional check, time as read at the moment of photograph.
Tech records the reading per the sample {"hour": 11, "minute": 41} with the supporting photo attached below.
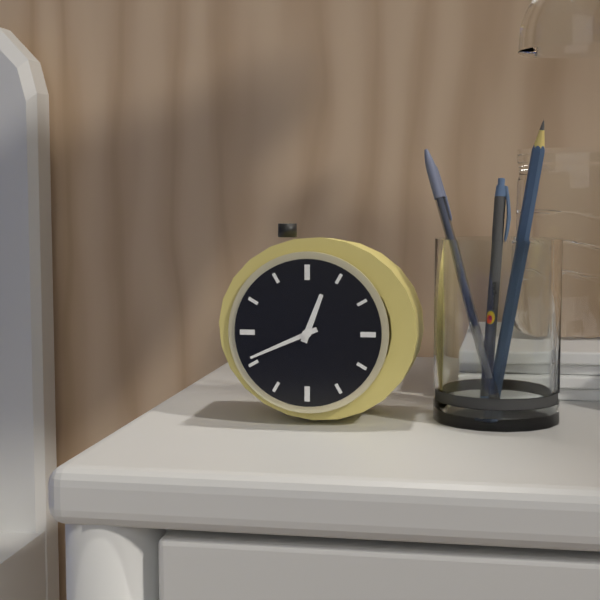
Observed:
{"hour": 12, "minute": 41}
